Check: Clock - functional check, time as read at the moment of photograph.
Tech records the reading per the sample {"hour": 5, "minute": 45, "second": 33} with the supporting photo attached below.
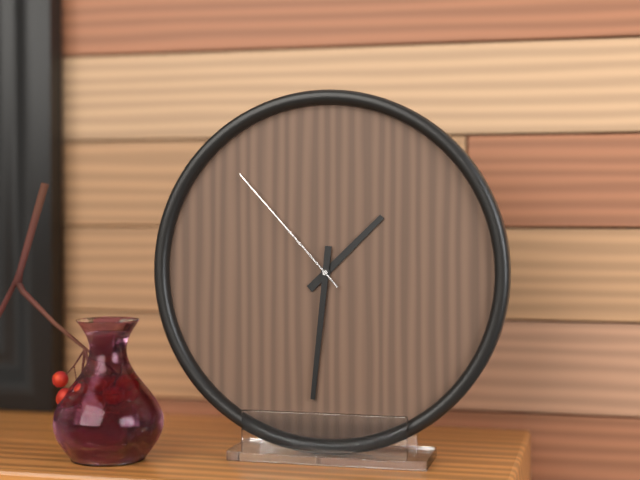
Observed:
{"hour": 1, "minute": 31, "second": 53}
